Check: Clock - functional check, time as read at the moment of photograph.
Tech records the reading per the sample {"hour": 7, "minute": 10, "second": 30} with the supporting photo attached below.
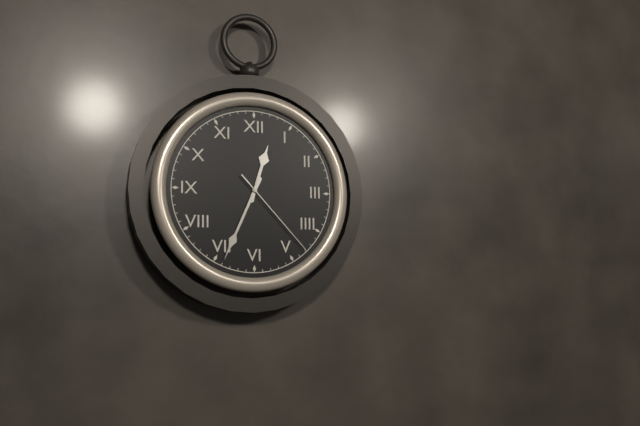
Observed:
{"hour": 12, "minute": 34, "second": 23}
